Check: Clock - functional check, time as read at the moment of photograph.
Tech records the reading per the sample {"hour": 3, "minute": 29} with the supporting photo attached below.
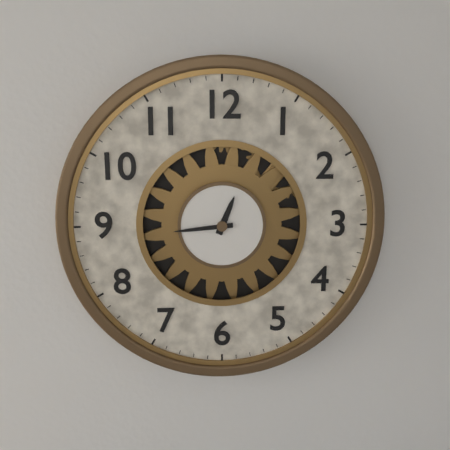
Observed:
{"hour": 12, "minute": 44}
